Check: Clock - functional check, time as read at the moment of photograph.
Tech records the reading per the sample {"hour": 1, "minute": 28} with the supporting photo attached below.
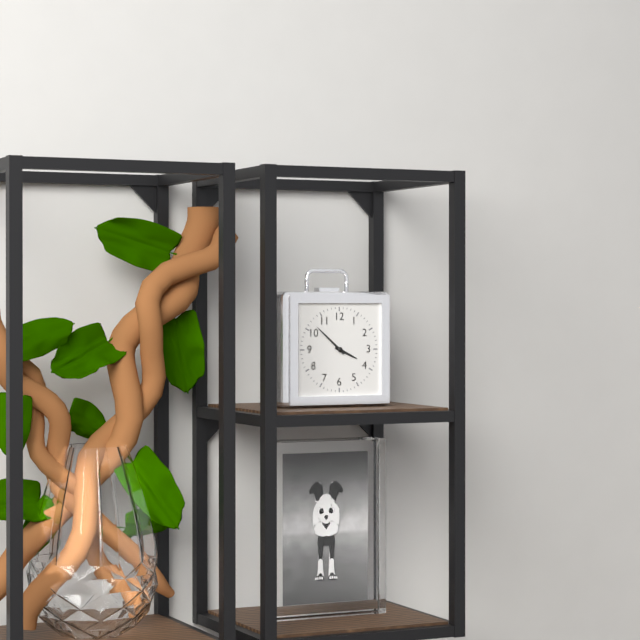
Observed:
{"hour": 3, "minute": 52}
